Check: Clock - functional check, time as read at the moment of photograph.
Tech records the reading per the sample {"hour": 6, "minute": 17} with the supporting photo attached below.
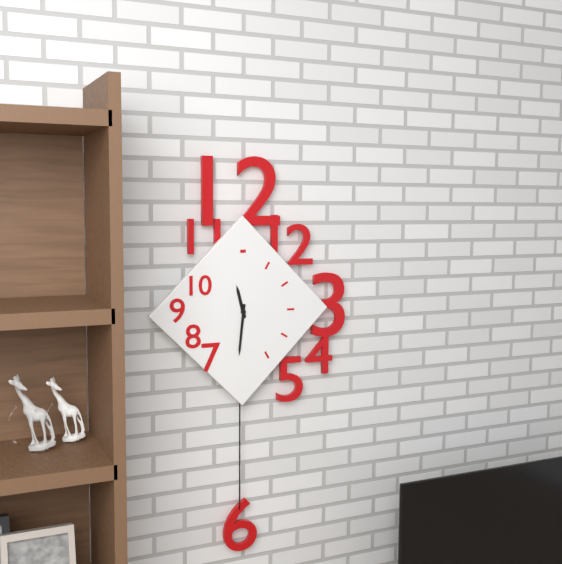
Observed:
{"hour": 11, "minute": 31}
